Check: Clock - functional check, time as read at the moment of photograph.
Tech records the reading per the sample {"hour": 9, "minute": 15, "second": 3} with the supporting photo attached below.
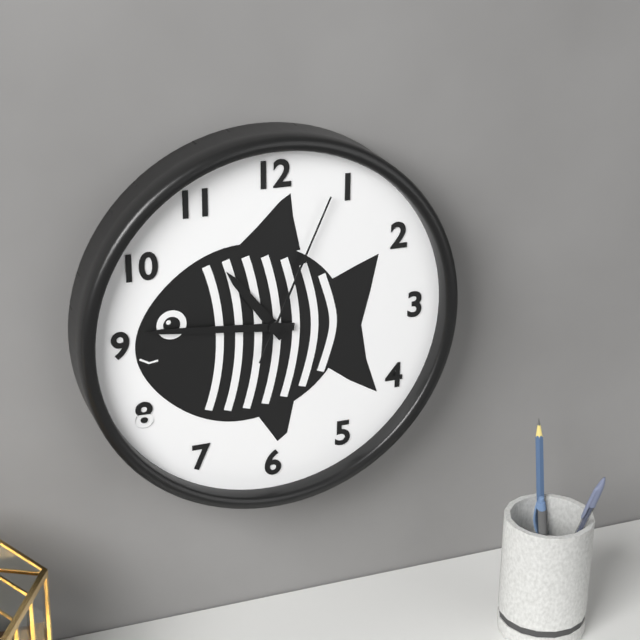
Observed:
{"hour": 10, "minute": 46, "second": 4}
